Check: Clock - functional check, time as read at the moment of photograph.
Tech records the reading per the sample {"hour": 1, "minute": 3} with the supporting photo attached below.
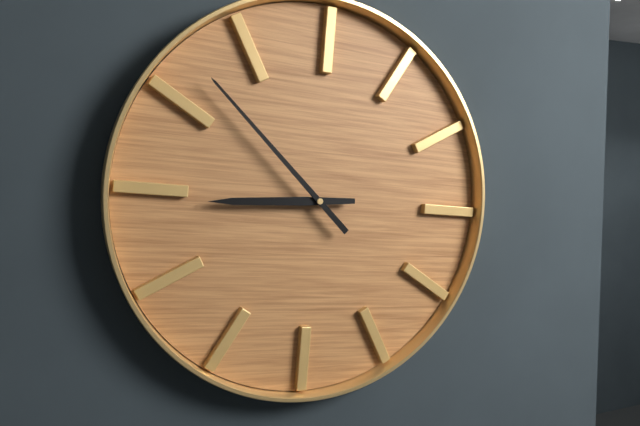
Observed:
{"hour": 8, "minute": 52}
